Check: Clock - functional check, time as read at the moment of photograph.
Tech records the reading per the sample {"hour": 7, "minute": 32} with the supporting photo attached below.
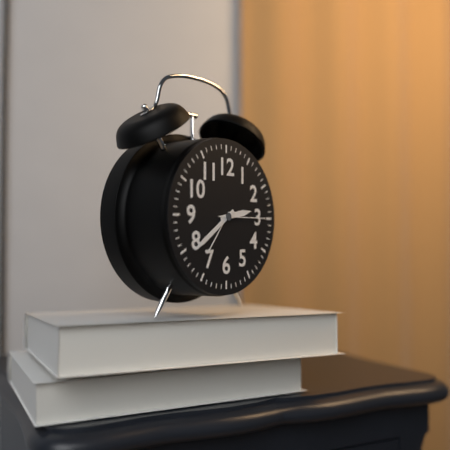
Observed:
{"hour": 2, "minute": 39}
